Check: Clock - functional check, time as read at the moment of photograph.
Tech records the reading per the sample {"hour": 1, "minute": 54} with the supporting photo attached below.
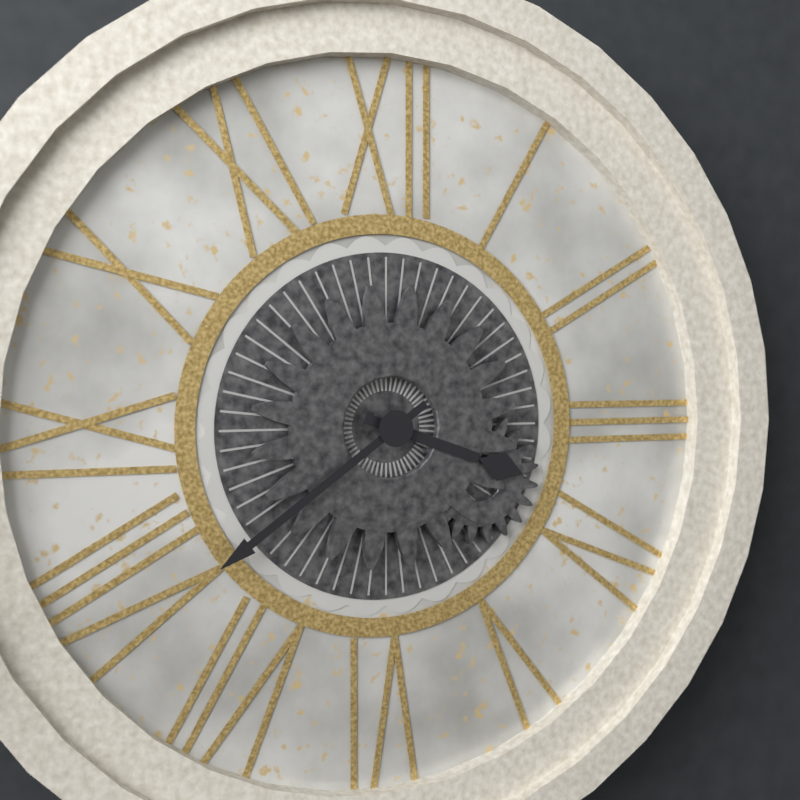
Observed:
{"hour": 3, "minute": 39}
